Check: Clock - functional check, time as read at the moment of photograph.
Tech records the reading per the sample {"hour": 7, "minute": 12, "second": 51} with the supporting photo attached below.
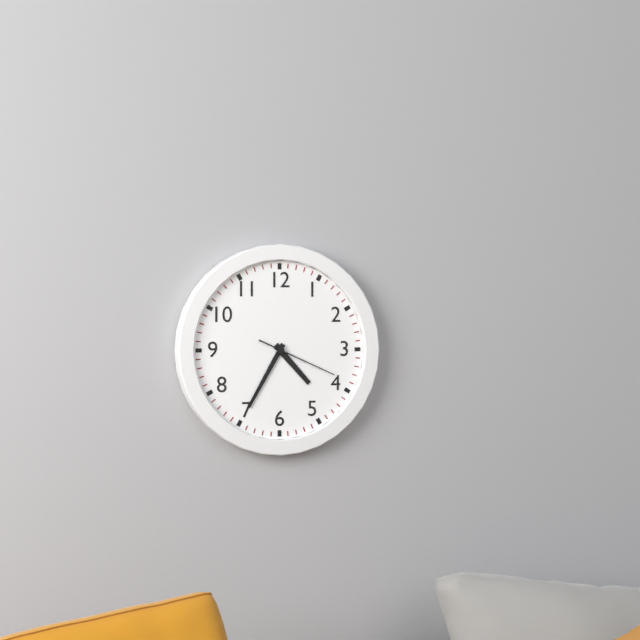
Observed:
{"hour": 4, "minute": 35, "second": 19}
